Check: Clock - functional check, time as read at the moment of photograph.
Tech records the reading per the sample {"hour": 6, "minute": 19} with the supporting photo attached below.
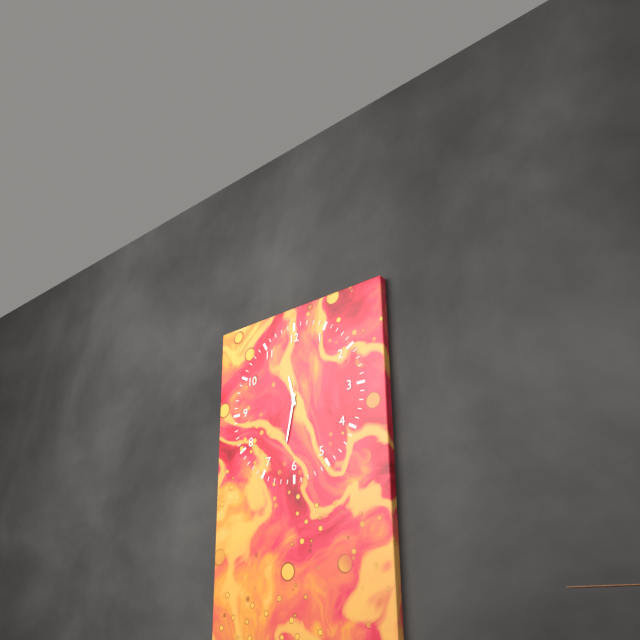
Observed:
{"hour": 11, "minute": 32}
